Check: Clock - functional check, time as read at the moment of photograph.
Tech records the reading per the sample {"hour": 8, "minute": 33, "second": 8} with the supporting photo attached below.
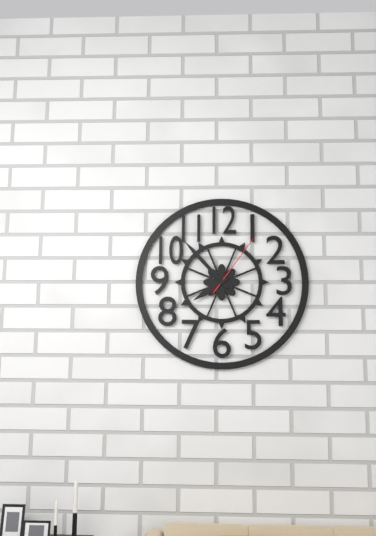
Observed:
{"hour": 7, "minute": 53, "second": 6}
